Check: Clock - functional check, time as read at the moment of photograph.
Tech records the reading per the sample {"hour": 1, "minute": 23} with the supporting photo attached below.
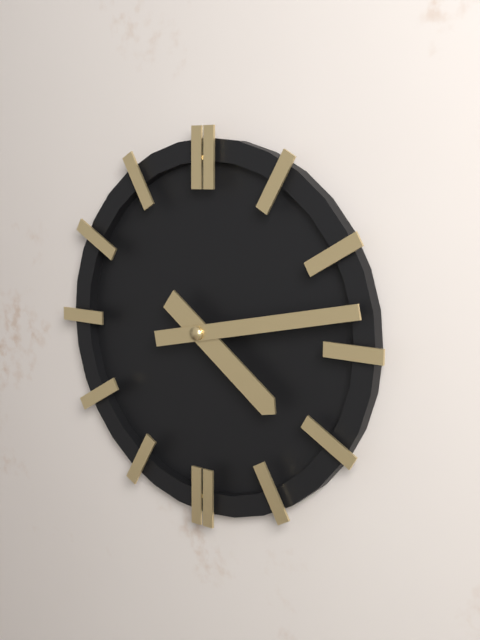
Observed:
{"hour": 4, "minute": 13}
